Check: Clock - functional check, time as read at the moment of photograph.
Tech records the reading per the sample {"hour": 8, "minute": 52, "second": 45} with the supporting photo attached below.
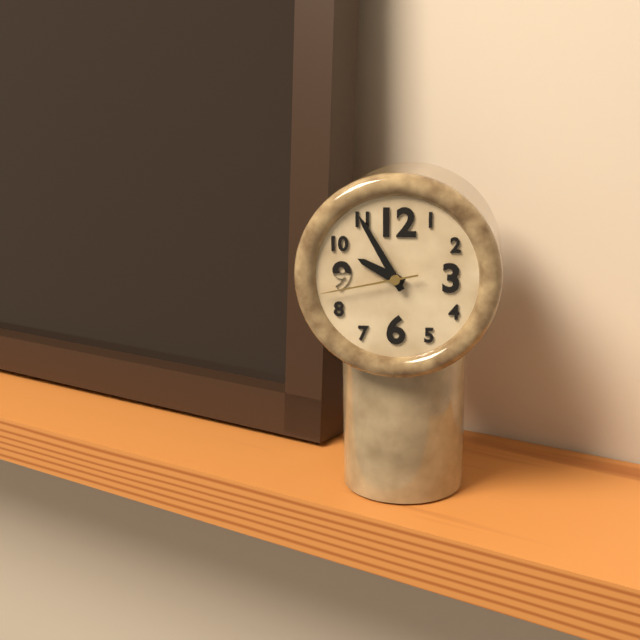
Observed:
{"hour": 9, "minute": 55, "second": 43}
